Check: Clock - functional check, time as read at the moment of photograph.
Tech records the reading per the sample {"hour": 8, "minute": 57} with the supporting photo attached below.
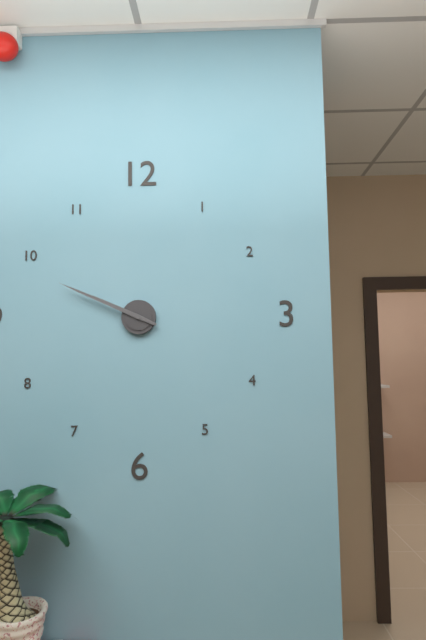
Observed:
{"hour": 9, "minute": 49}
